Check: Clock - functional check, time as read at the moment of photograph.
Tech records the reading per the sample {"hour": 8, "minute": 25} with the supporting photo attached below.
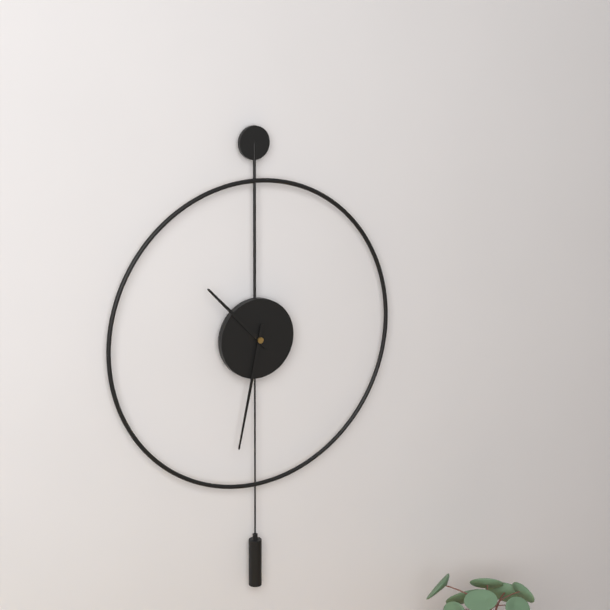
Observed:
{"hour": 10, "minute": 32}
